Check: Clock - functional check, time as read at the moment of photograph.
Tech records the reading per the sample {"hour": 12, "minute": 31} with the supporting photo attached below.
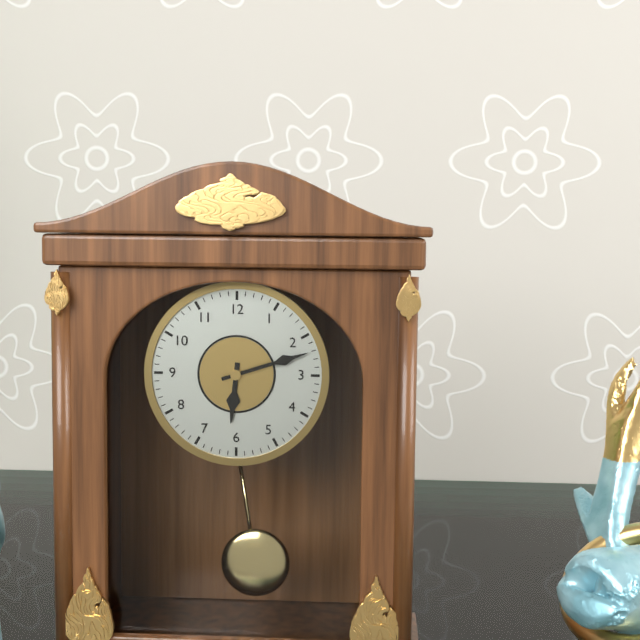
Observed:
{"hour": 6, "minute": 12}
